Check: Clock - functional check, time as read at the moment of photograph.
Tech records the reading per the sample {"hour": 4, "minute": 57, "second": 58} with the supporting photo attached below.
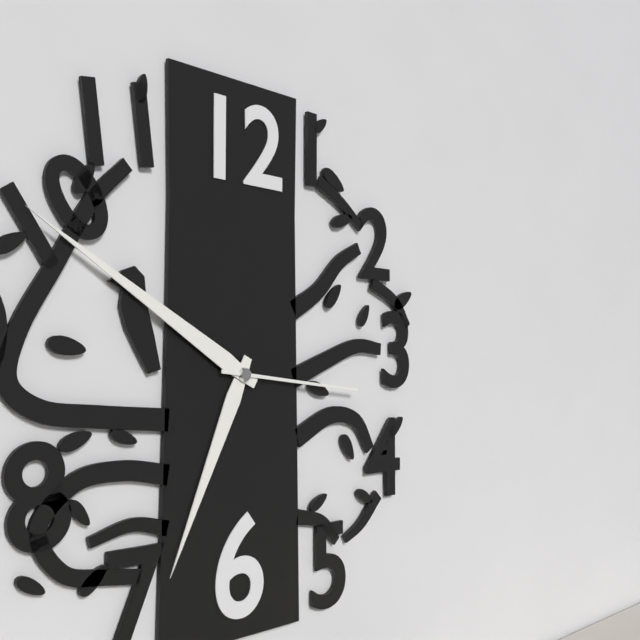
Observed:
{"hour": 6, "minute": 50, "second": 16}
